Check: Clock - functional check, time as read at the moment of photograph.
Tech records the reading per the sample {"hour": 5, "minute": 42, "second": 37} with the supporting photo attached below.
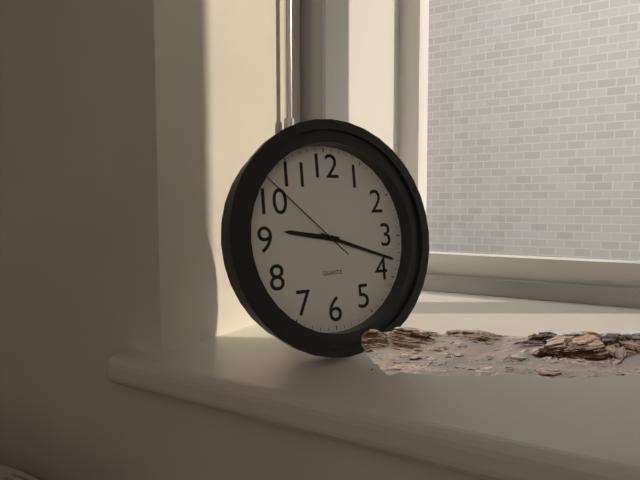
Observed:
{"hour": 9, "minute": 18, "second": 52}
